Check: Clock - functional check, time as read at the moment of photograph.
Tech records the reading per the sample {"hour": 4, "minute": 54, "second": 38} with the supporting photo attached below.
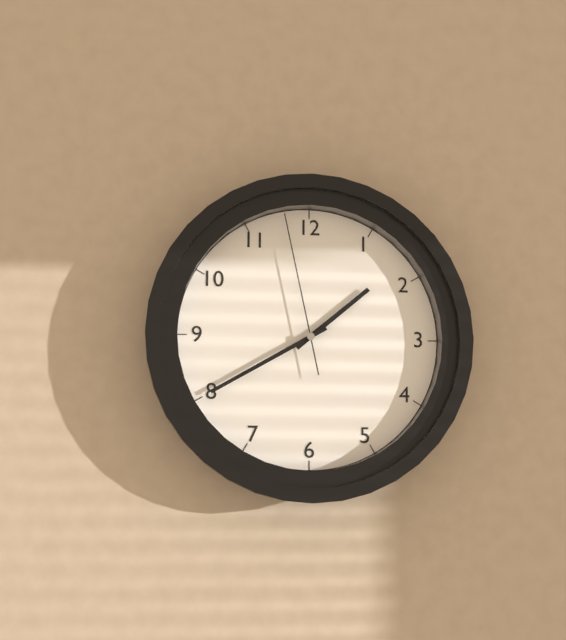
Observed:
{"hour": 1, "minute": 40, "second": 58}
